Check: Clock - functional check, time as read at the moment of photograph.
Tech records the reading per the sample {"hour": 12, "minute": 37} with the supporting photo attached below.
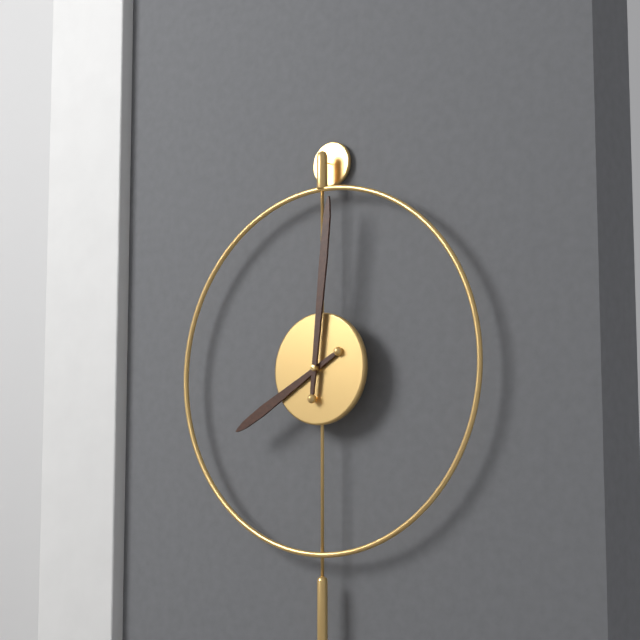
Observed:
{"hour": 8, "minute": 1}
